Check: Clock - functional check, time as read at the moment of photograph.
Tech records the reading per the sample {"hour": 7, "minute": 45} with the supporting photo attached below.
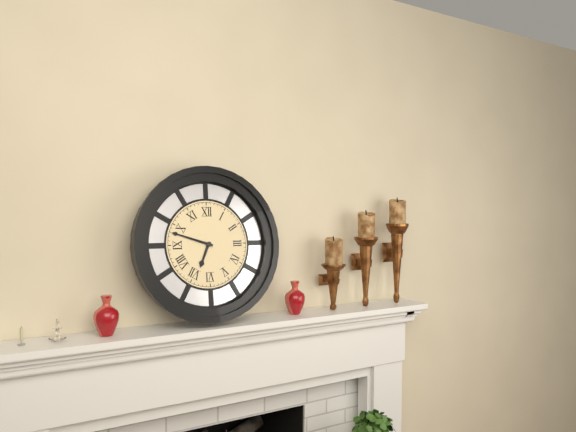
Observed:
{"hour": 6, "minute": 48}
